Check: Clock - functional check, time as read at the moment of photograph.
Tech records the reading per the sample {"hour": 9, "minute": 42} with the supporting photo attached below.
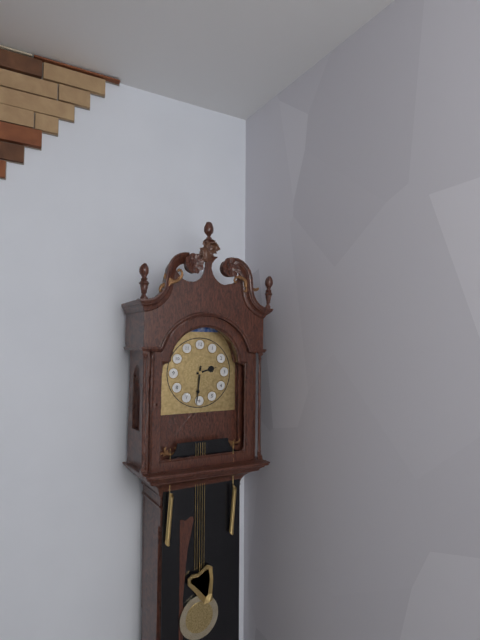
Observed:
{"hour": 2, "minute": 31}
